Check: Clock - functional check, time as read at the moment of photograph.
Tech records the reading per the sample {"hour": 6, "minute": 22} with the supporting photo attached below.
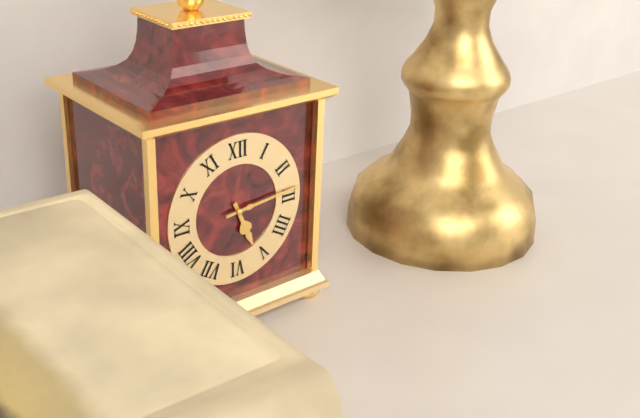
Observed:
{"hour": 5, "minute": 14}
